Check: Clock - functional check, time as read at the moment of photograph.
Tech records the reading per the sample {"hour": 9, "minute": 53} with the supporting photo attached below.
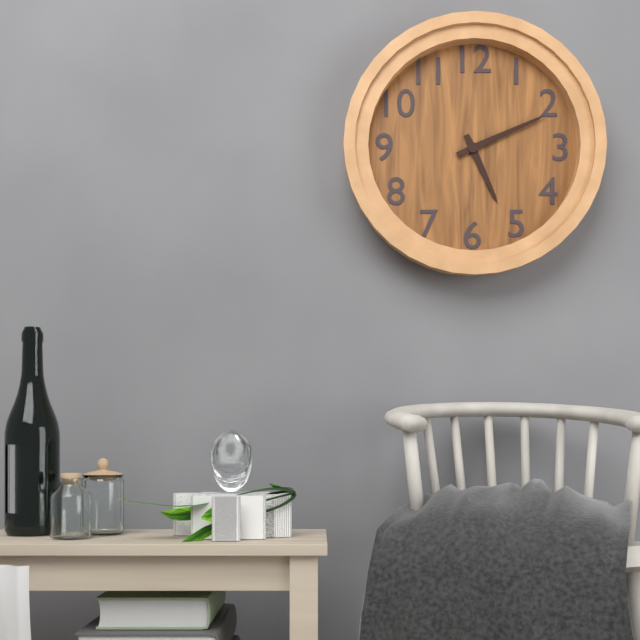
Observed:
{"hour": 5, "minute": 11}
